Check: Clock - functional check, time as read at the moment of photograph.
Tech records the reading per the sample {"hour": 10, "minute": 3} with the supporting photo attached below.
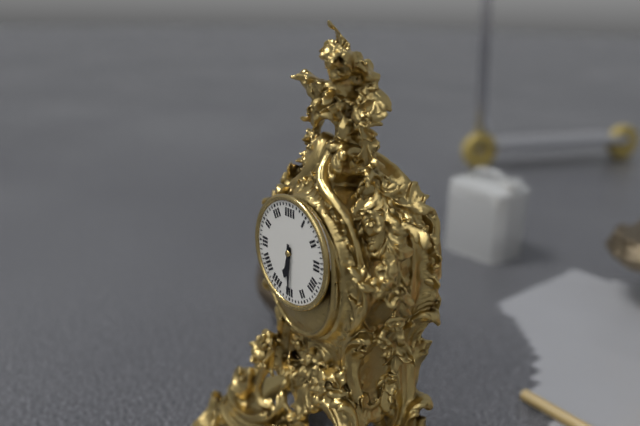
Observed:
{"hour": 6, "minute": 30}
